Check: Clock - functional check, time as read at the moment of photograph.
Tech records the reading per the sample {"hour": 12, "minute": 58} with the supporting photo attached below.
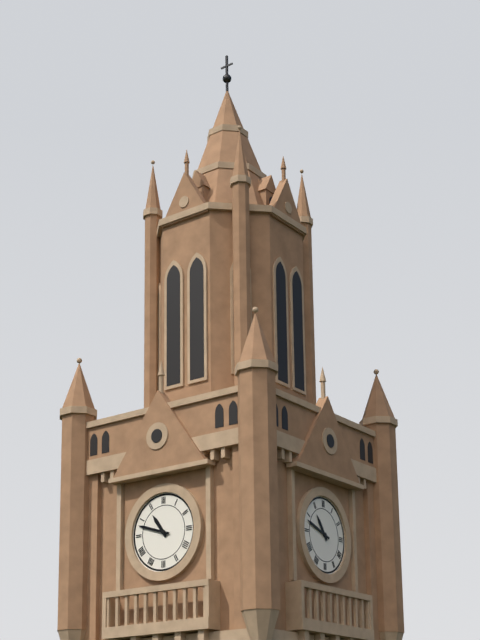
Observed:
{"hour": 10, "minute": 48}
